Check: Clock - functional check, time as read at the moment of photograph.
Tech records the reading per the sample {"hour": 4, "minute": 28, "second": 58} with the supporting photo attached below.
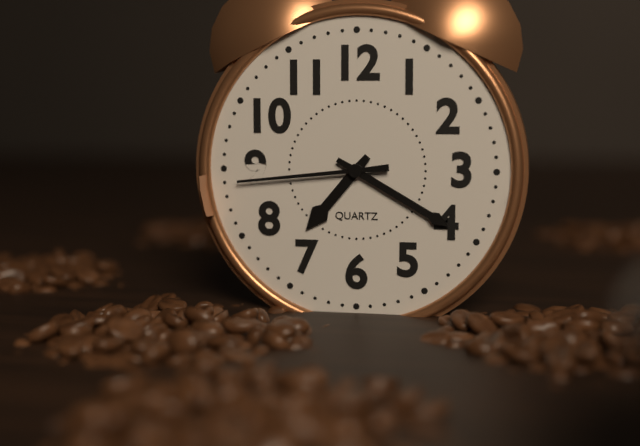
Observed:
{"hour": 7, "minute": 20, "second": 44}
